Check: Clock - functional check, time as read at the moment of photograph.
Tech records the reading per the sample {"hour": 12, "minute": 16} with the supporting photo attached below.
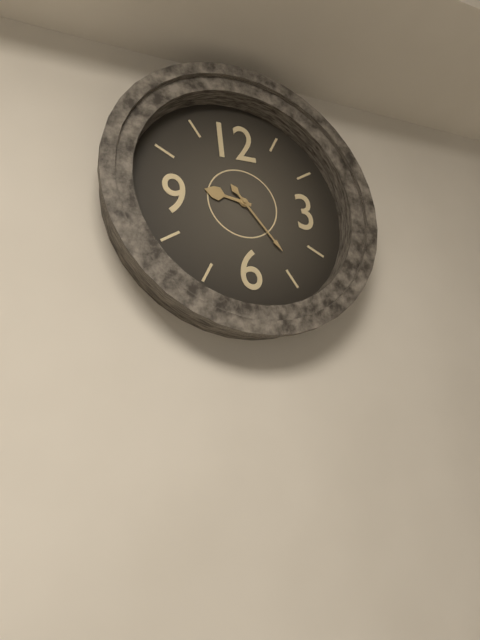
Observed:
{"hour": 9, "minute": 24}
